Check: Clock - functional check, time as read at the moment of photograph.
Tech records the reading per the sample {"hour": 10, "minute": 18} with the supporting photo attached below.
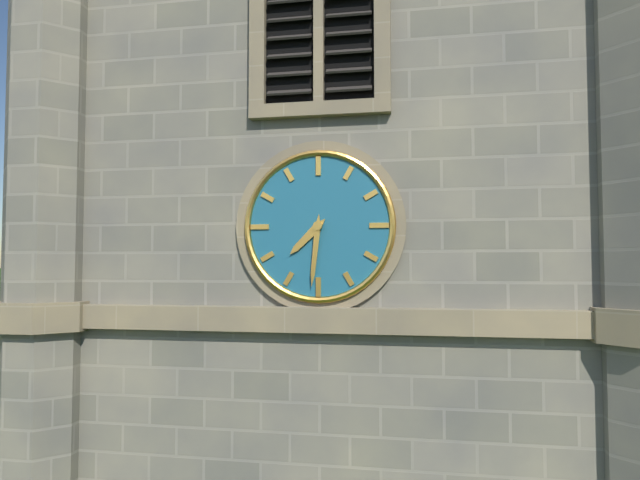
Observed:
{"hour": 7, "minute": 31}
